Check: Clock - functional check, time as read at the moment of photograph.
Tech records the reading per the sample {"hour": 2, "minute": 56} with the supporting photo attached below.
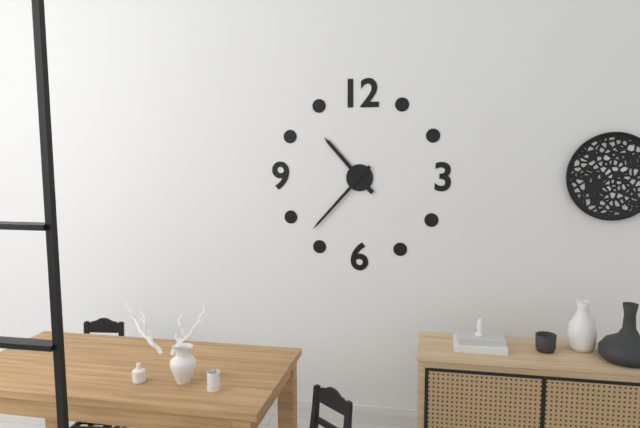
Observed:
{"hour": 10, "minute": 37}
